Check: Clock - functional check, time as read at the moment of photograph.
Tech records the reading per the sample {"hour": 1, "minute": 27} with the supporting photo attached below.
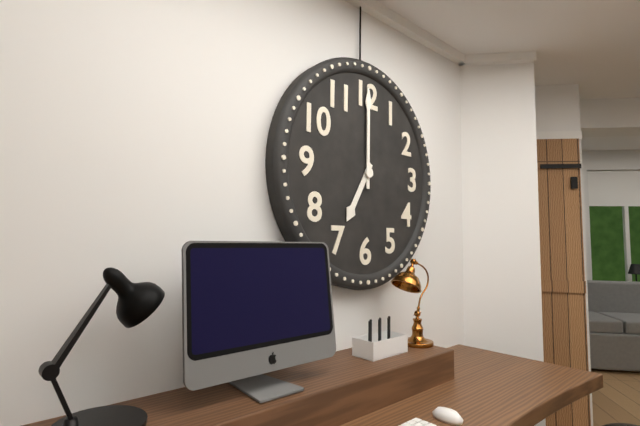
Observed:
{"hour": 7, "minute": 0}
